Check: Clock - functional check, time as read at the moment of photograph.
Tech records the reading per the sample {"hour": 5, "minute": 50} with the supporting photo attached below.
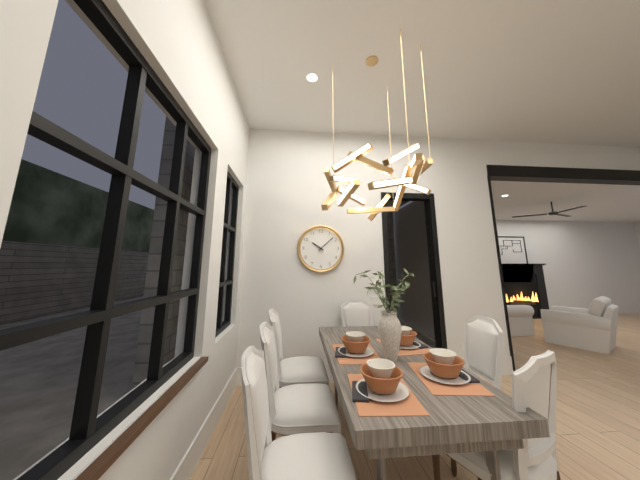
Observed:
{"hour": 10, "minute": 8}
